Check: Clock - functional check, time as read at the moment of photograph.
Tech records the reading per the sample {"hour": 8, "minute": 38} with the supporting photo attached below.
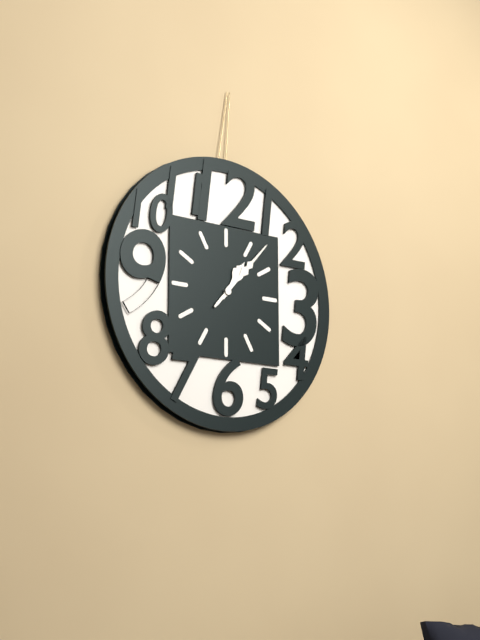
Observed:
{"hour": 1, "minute": 7}
